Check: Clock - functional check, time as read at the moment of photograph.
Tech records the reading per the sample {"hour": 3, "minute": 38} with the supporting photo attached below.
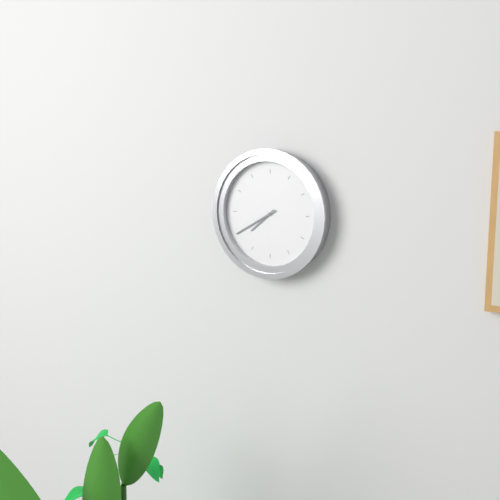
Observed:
{"hour": 7, "minute": 40}
